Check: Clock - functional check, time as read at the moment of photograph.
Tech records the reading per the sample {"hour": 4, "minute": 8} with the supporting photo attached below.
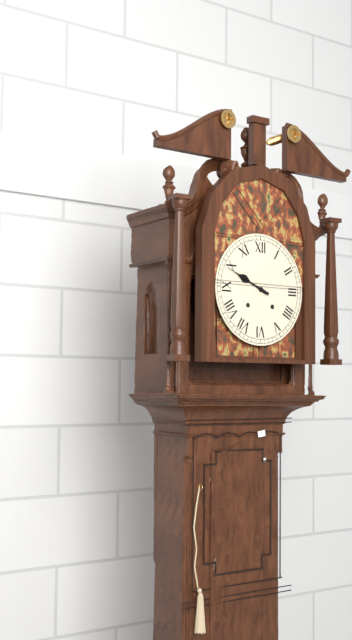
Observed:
{"hour": 9, "minute": 49}
